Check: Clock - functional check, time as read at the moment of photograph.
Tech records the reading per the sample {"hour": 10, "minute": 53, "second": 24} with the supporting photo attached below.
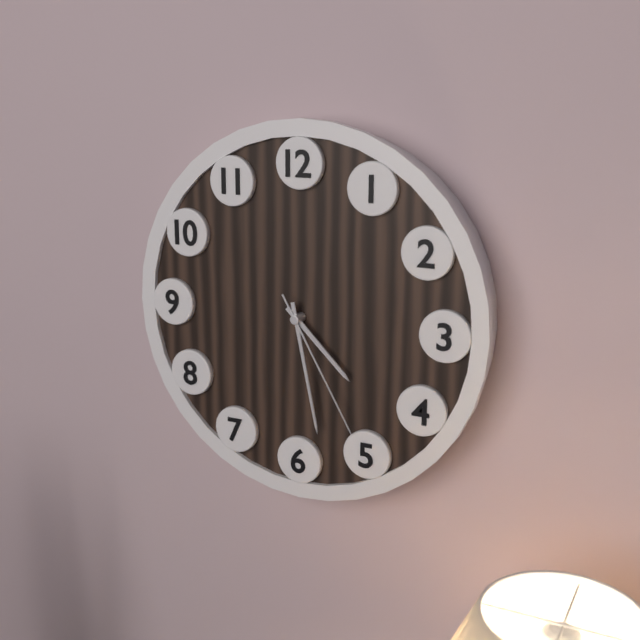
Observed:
{"hour": 4, "minute": 28, "second": 25}
